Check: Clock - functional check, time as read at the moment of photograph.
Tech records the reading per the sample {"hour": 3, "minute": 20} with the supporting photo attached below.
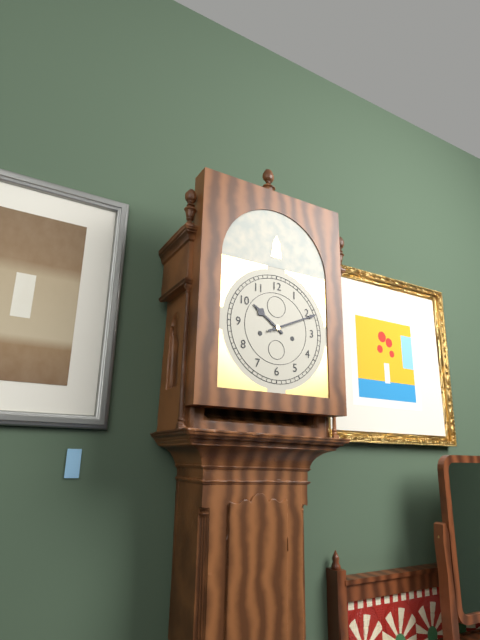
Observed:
{"hour": 10, "minute": 11}
